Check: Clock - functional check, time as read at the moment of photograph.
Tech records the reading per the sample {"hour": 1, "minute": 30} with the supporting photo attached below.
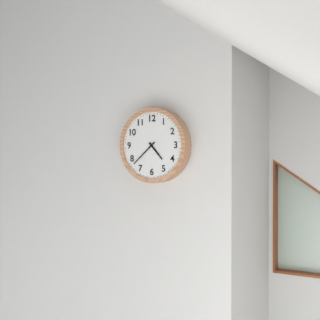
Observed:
{"hour": 4, "minute": 38}
